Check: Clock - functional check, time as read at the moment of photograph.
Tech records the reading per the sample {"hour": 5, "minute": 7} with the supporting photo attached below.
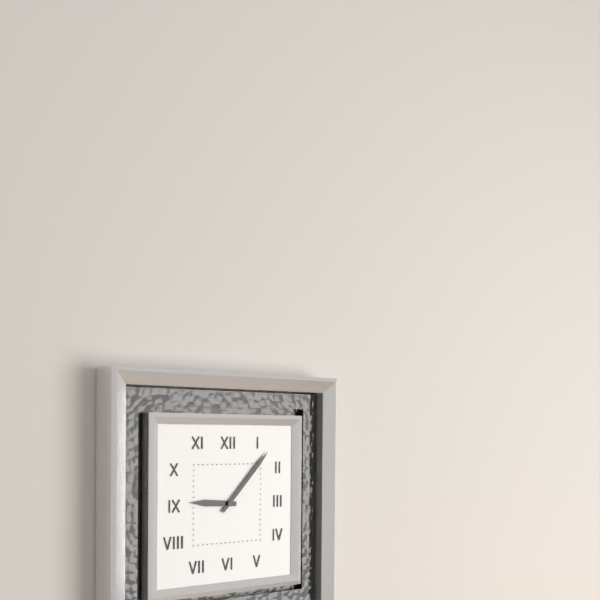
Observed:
{"hour": 9, "minute": 7}
